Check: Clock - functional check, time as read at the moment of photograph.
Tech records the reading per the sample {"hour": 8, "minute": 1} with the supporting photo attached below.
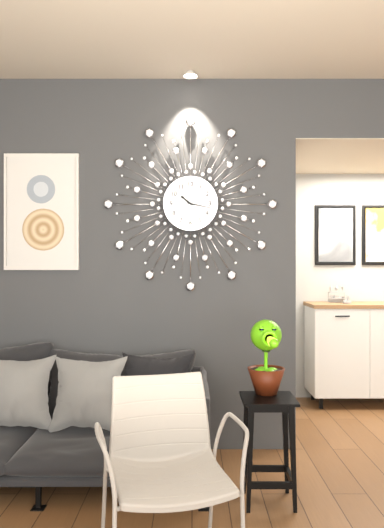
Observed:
{"hour": 10, "minute": 17}
